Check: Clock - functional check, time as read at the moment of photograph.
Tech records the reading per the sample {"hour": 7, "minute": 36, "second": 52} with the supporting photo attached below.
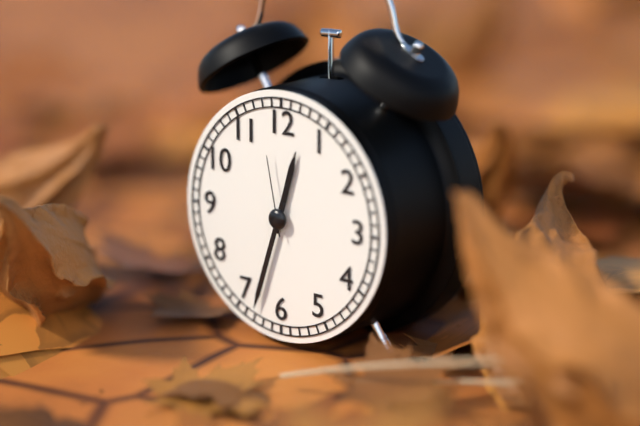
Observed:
{"hour": 12, "minute": 33, "second": 58}
